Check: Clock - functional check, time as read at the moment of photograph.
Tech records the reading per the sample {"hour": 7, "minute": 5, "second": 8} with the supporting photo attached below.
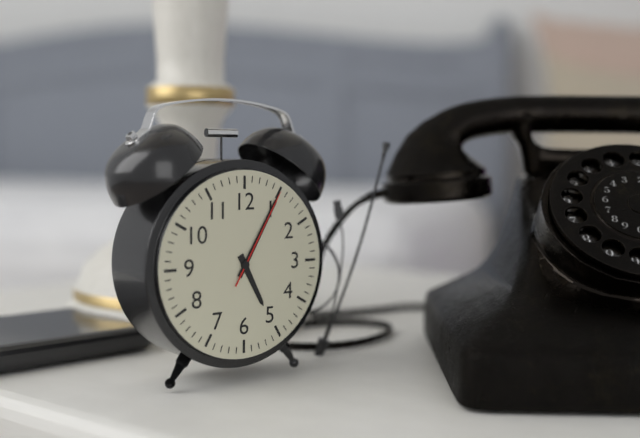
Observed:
{"hour": 5, "minute": 5, "second": 5}
